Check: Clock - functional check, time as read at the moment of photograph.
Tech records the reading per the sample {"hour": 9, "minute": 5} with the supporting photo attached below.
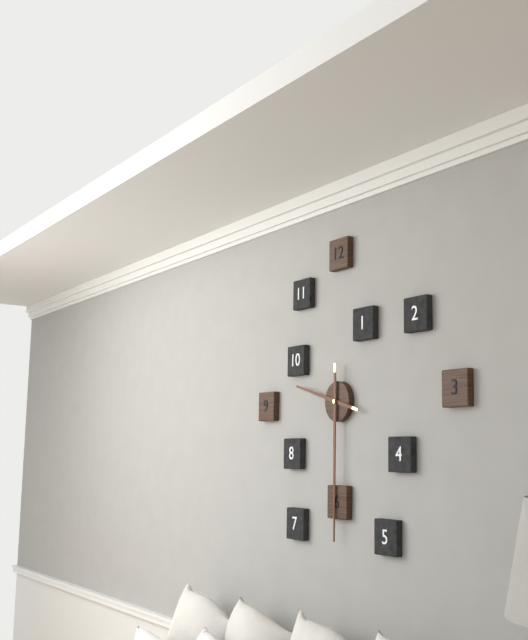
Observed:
{"hour": 9, "minute": 30}
